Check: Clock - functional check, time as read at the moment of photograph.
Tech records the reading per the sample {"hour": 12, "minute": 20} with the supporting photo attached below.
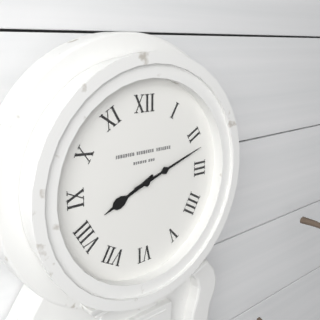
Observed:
{"hour": 8, "minute": 12}
